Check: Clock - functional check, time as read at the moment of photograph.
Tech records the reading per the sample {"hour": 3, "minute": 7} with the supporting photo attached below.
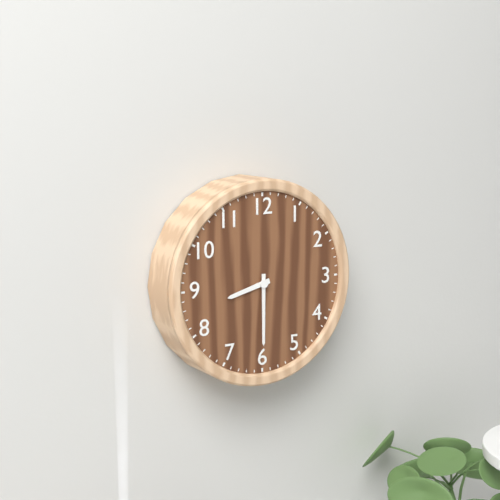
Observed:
{"hour": 8, "minute": 30}
